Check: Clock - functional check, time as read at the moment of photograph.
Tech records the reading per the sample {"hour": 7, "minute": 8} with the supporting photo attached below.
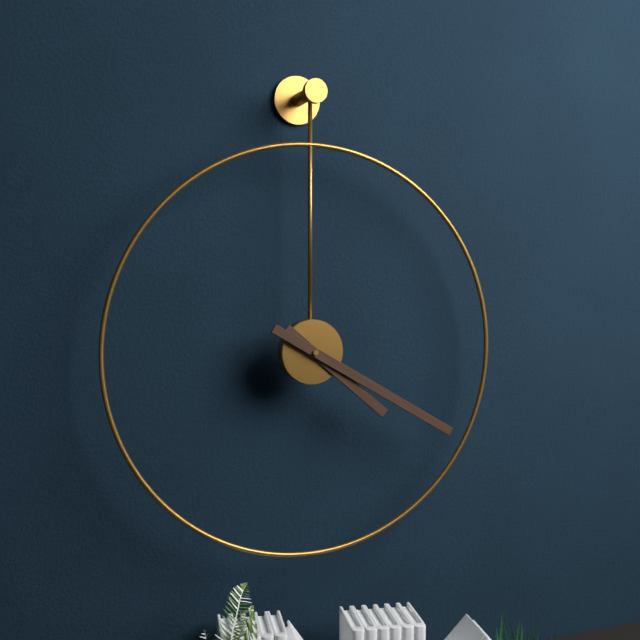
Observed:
{"hour": 4, "minute": 20}
